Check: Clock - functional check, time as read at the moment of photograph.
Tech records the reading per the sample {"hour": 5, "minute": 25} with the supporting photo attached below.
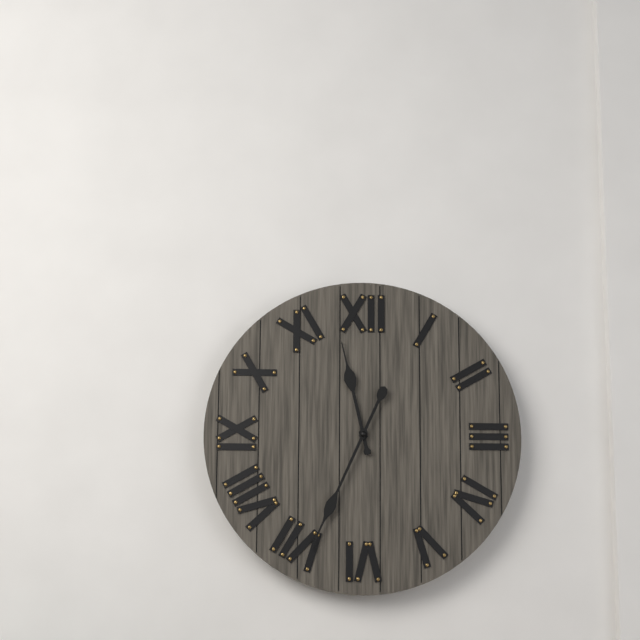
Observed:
{"hour": 11, "minute": 34}
